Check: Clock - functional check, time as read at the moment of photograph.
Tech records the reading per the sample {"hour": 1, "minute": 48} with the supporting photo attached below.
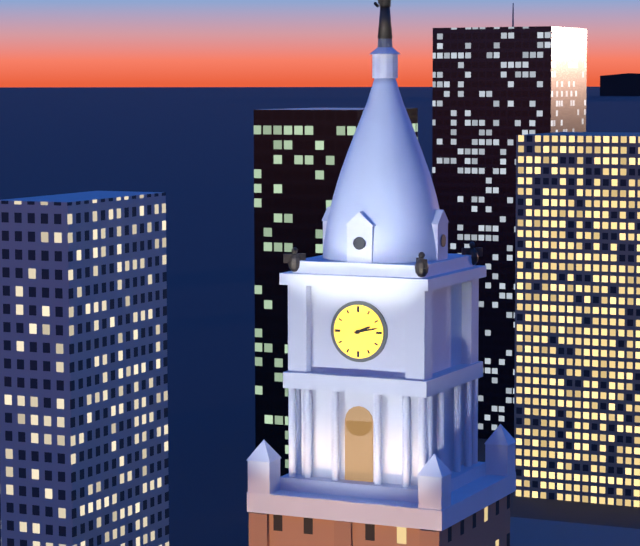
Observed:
{"hour": 2, "minute": 13}
